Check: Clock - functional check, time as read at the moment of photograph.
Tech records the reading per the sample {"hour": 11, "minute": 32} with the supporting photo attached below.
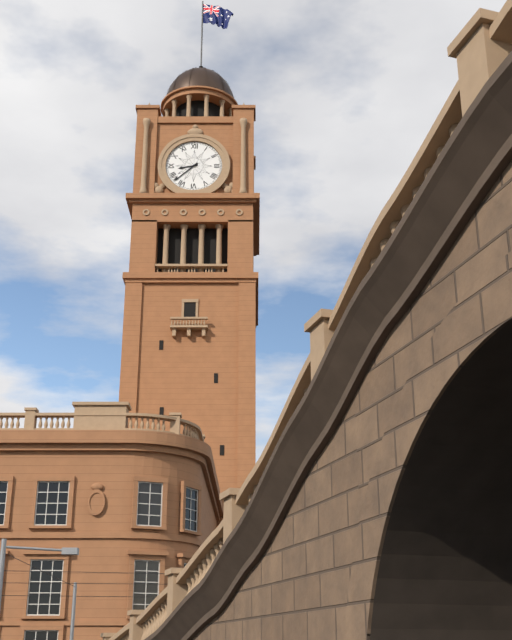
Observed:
{"hour": 8, "minute": 38}
